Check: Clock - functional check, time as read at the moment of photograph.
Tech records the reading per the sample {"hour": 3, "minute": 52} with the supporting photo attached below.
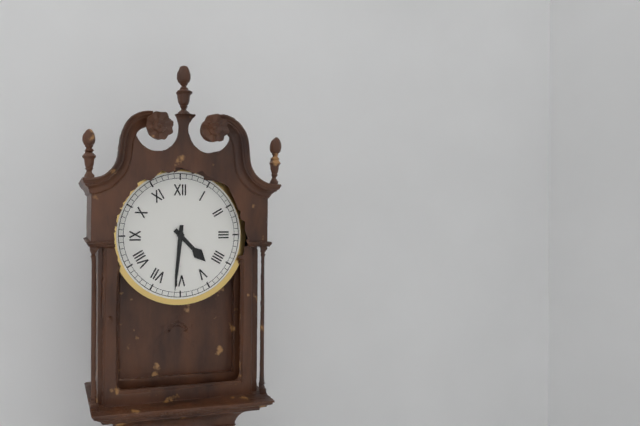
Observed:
{"hour": 4, "minute": 31}
